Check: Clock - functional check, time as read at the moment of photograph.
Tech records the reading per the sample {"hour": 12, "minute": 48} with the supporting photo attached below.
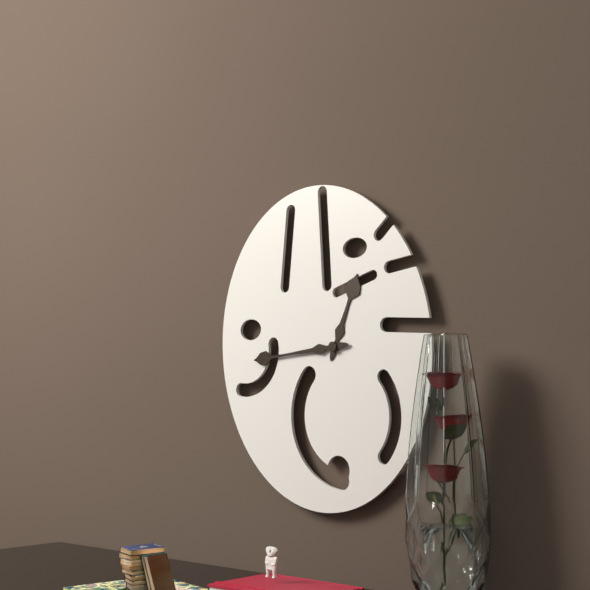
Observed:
{"hour": 12, "minute": 44}
